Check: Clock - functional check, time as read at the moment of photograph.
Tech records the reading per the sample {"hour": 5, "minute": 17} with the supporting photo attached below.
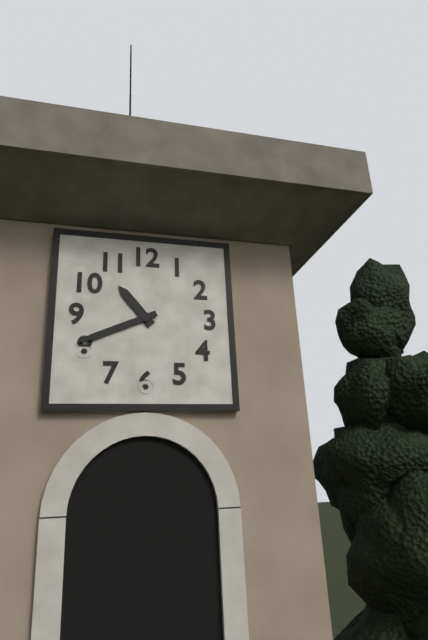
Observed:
{"hour": 10, "minute": 41}
